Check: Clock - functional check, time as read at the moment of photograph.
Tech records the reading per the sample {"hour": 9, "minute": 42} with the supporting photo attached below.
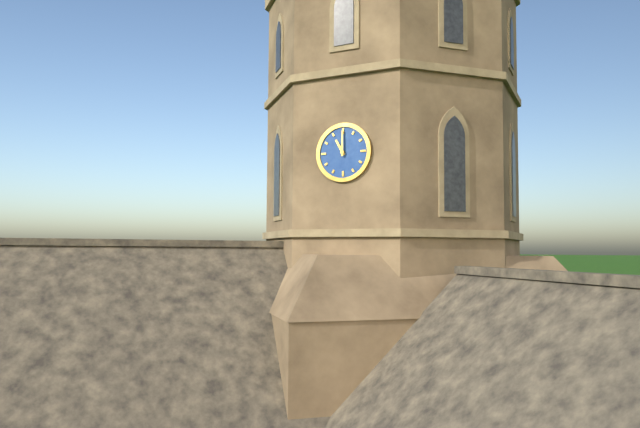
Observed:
{"hour": 11, "minute": 0}
